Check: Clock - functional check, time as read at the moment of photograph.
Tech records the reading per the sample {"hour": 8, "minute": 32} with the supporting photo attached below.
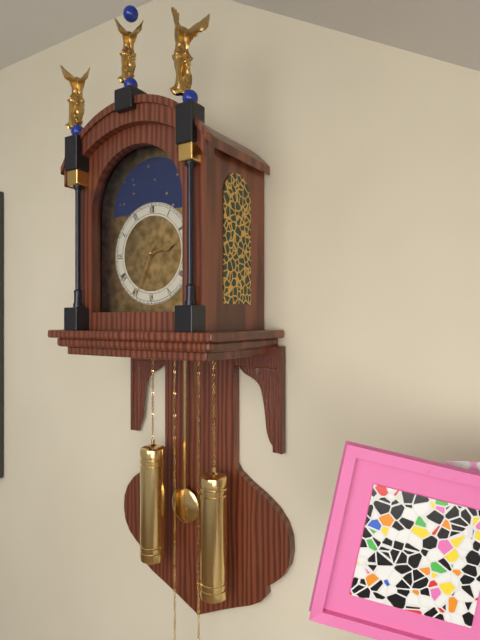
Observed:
{"hour": 2, "minute": 34}
